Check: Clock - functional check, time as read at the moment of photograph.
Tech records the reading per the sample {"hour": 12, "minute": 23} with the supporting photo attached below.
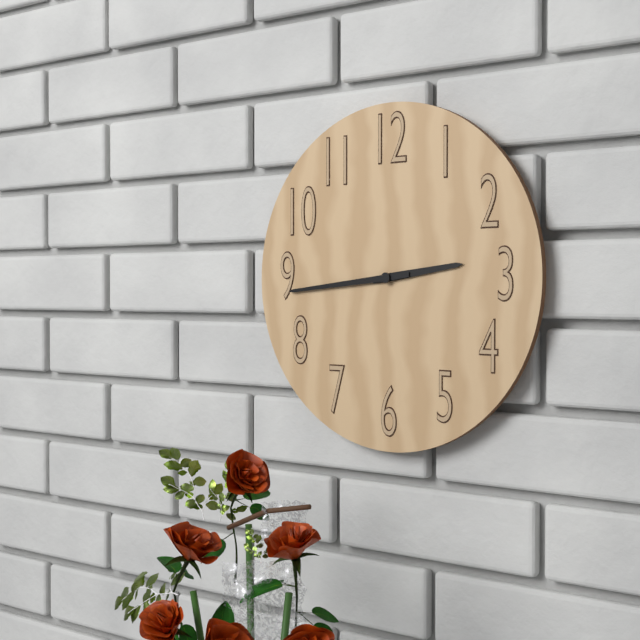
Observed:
{"hour": 2, "minute": 44}
